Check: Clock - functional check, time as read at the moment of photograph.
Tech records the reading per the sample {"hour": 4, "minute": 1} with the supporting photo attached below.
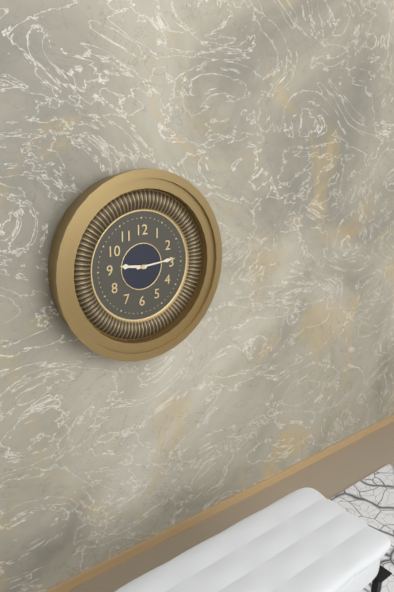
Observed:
{"hour": 9, "minute": 14}
